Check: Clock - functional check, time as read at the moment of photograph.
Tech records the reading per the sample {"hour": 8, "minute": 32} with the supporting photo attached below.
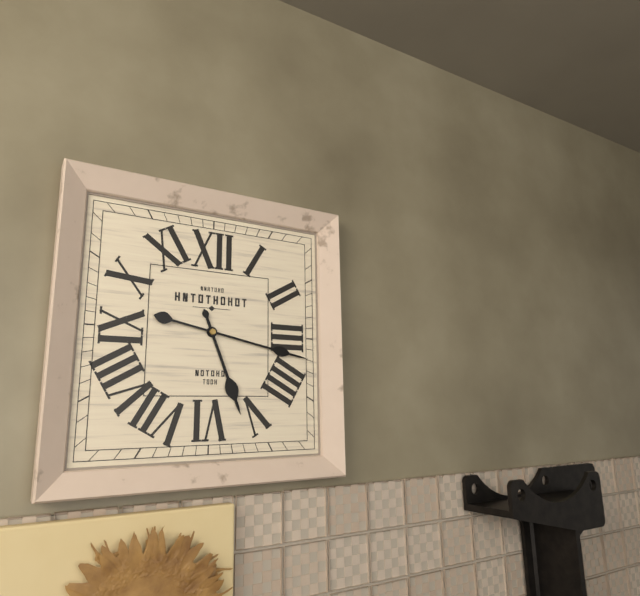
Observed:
{"hour": 5, "minute": 17}
